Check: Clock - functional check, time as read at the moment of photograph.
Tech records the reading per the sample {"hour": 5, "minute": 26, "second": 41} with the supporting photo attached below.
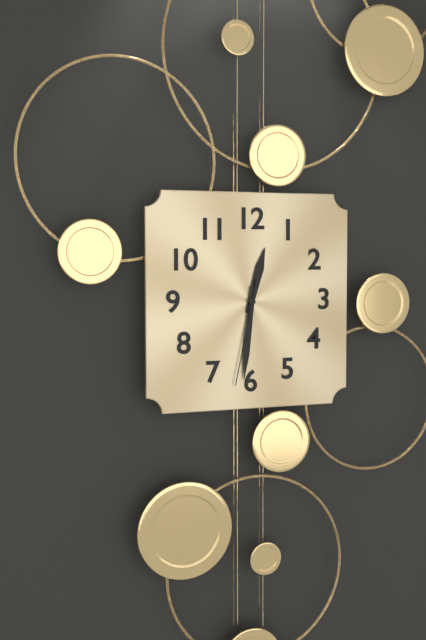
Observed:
{"hour": 12, "minute": 31, "second": 32}
